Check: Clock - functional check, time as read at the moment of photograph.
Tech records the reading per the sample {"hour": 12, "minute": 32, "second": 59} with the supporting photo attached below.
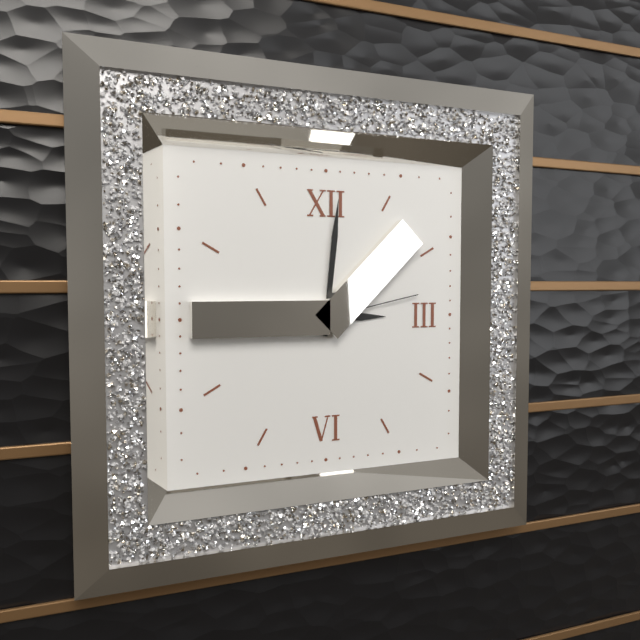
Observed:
{"hour": 3, "minute": 1, "second": 13}
